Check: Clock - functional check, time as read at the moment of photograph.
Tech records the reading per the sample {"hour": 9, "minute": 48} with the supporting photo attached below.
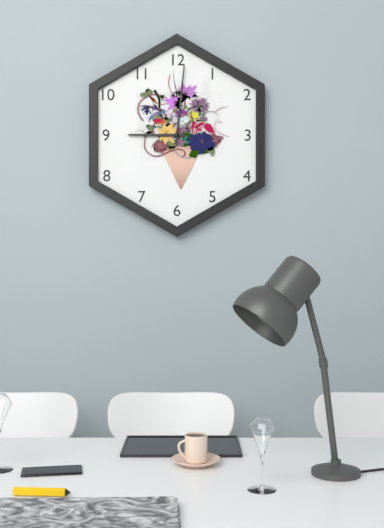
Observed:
{"hour": 9, "minute": 1}
